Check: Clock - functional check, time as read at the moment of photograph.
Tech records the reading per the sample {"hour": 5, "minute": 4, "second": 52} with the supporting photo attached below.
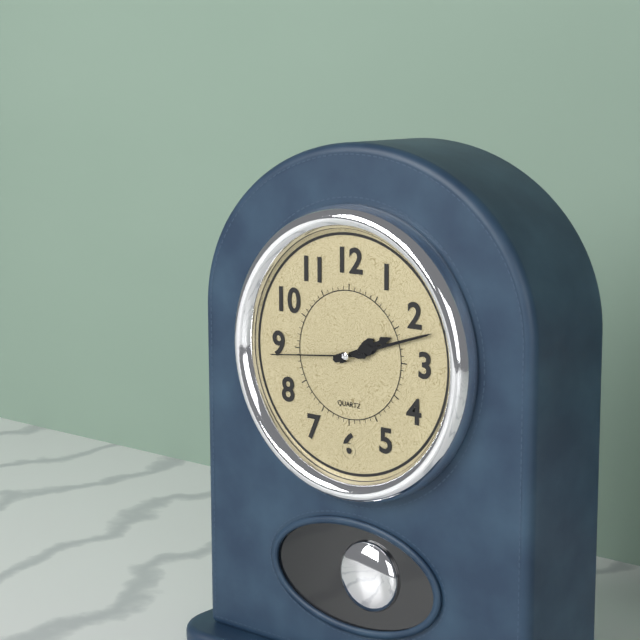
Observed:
{"hour": 2, "minute": 12, "second": 44}
